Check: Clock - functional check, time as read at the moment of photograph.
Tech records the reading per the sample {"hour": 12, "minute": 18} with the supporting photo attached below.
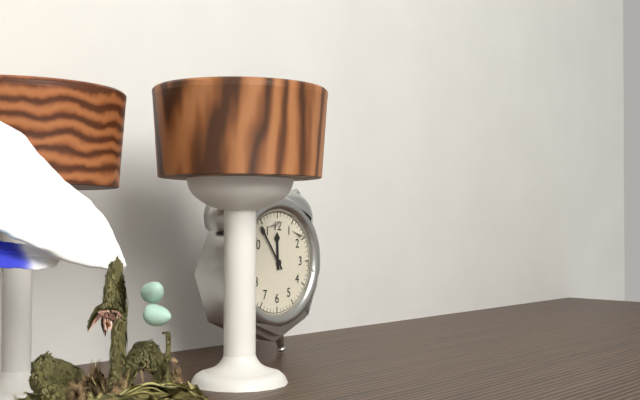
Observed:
{"hour": 11, "minute": 54}
